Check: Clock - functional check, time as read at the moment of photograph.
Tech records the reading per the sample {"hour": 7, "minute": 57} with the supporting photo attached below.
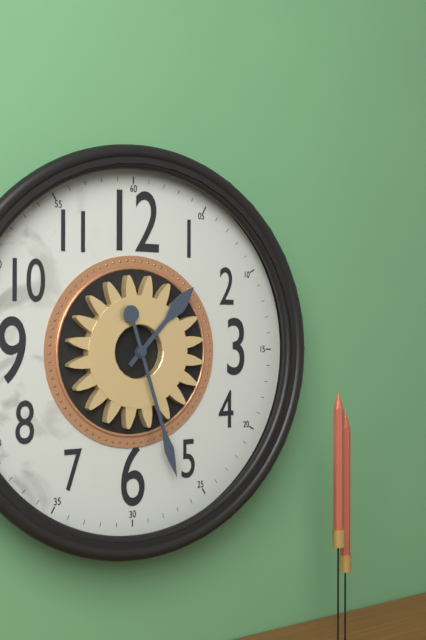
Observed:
{"hour": 1, "minute": 27}
